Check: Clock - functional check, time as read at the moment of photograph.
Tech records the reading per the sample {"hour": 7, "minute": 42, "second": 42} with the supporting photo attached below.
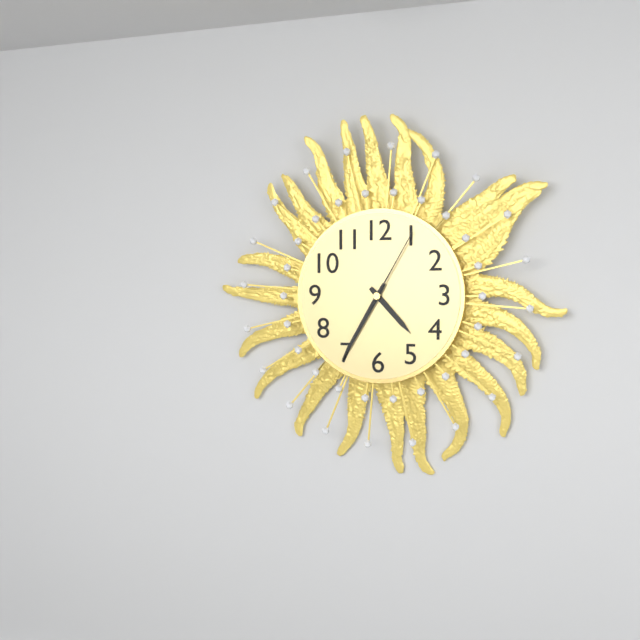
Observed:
{"hour": 4, "minute": 35, "second": 5}
